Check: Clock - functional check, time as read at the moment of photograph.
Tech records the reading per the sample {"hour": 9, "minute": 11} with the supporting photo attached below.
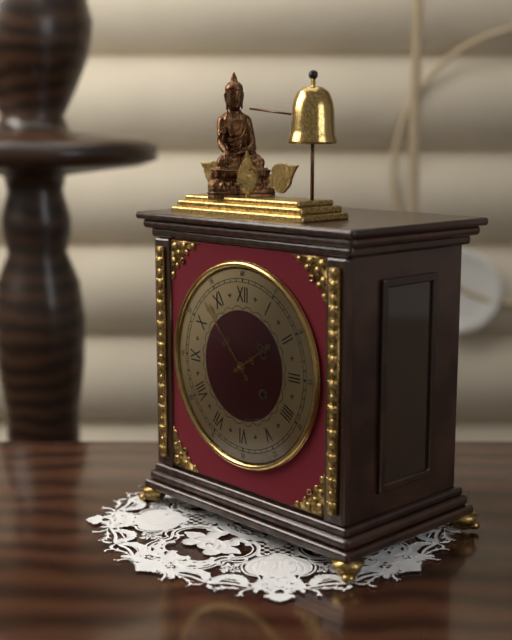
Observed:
{"hour": 1, "minute": 53}
